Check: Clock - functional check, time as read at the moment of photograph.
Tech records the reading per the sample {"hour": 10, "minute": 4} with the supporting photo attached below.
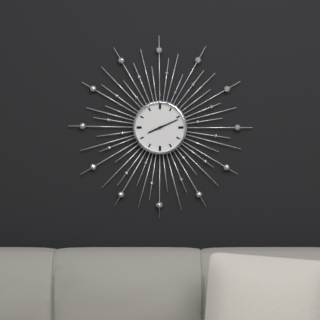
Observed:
{"hour": 8, "minute": 11}
